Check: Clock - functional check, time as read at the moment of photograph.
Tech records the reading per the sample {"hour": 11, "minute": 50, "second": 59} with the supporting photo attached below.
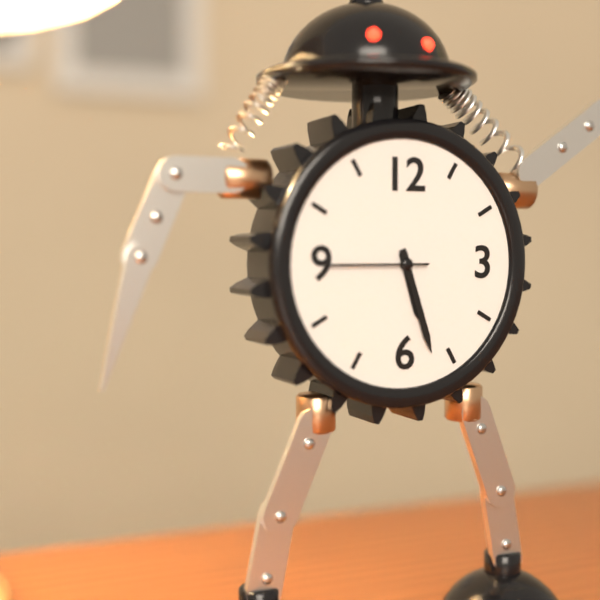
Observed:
{"hour": 5, "minute": 27, "second": 45}
